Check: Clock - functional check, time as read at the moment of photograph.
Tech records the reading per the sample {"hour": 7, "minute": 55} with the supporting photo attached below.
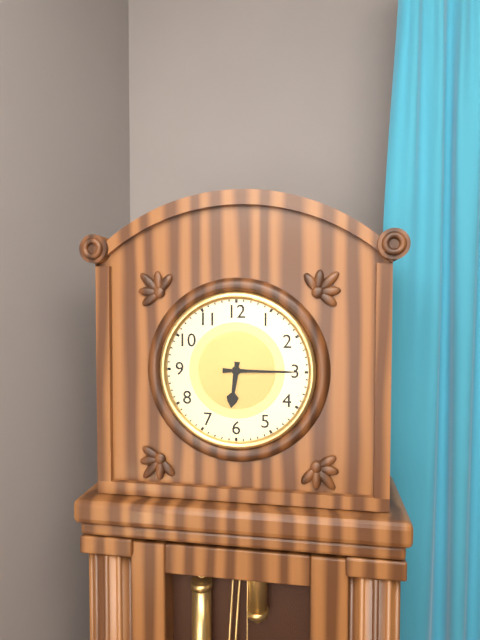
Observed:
{"hour": 6, "minute": 15}
